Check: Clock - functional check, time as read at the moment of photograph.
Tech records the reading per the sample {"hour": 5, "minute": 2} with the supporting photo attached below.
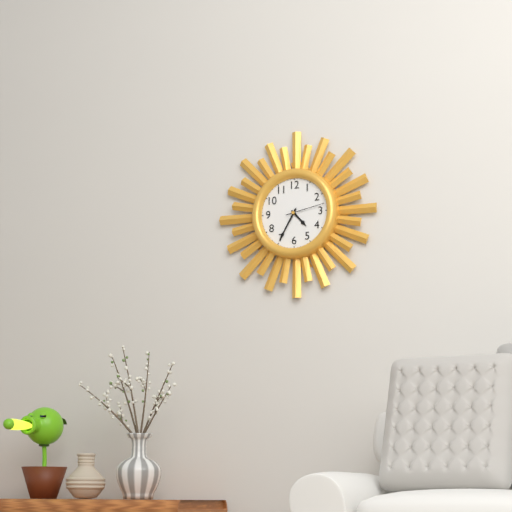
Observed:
{"hour": 4, "minute": 35}
